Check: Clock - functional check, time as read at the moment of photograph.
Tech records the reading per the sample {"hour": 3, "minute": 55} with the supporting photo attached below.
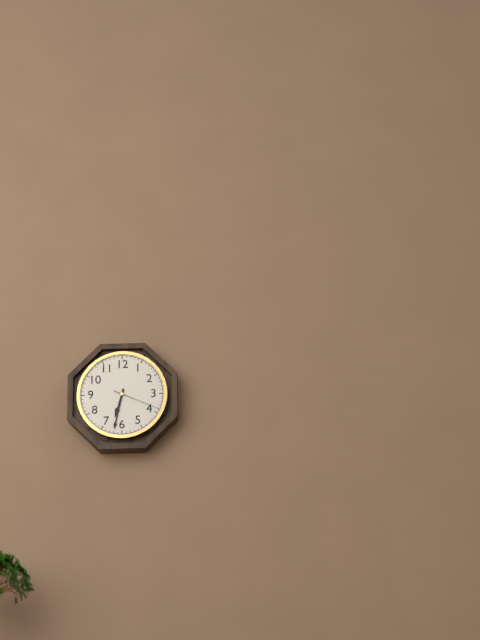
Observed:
{"hour": 6, "minute": 32}
